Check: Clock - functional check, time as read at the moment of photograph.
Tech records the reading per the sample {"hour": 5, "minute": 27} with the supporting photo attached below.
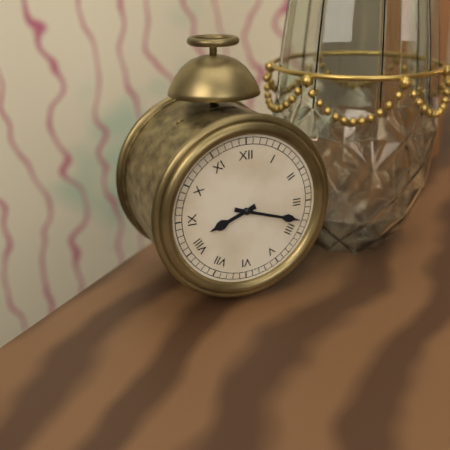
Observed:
{"hour": 8, "minute": 18}
